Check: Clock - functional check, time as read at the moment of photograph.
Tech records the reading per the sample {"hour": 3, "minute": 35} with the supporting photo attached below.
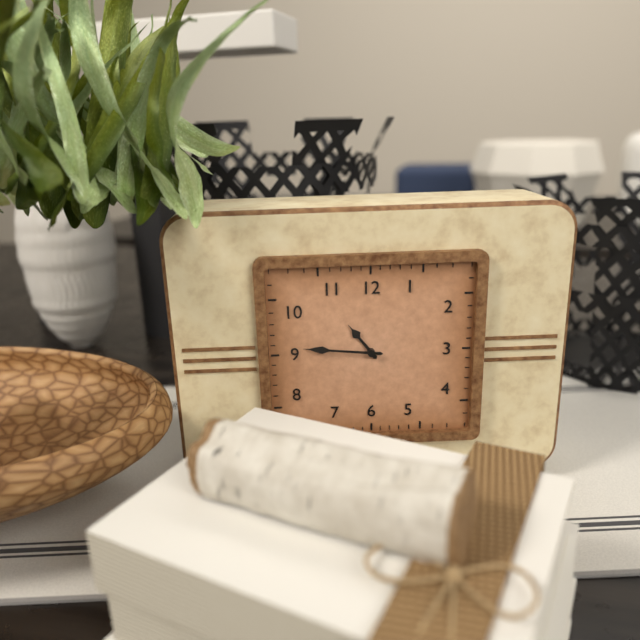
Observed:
{"hour": 10, "minute": 46}
